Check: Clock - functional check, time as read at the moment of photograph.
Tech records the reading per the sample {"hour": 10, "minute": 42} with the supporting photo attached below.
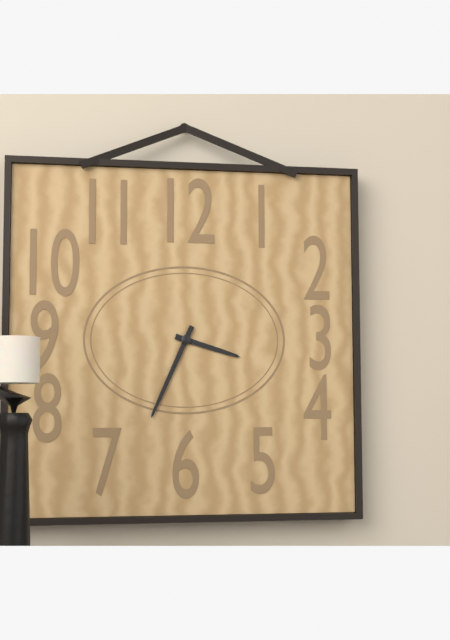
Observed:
{"hour": 3, "minute": 34}
